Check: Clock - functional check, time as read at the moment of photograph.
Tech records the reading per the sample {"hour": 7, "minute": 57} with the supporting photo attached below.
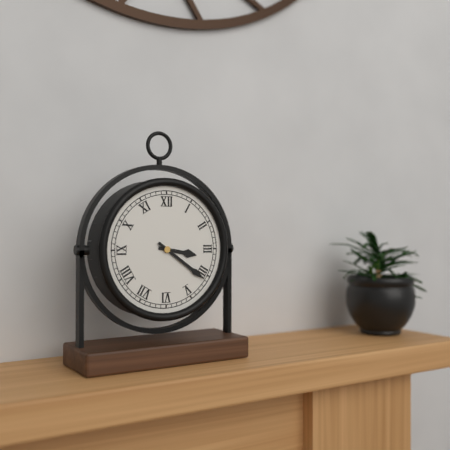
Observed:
{"hour": 3, "minute": 21}
